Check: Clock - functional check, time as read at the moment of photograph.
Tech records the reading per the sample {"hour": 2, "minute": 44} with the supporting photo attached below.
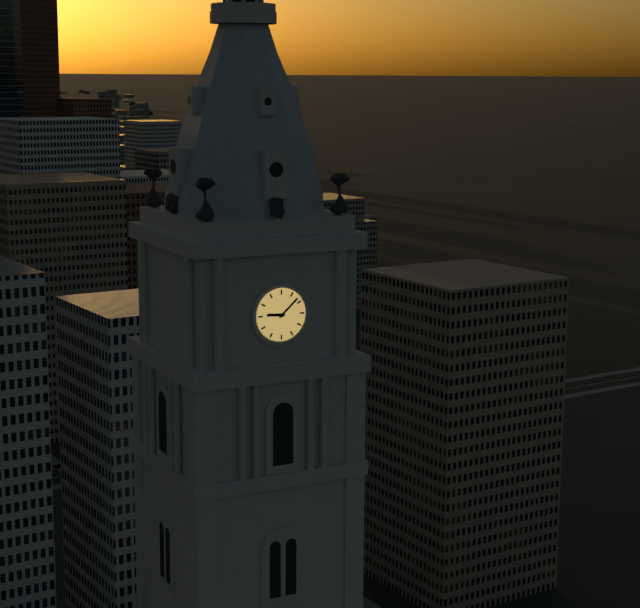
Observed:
{"hour": 9, "minute": 8}
